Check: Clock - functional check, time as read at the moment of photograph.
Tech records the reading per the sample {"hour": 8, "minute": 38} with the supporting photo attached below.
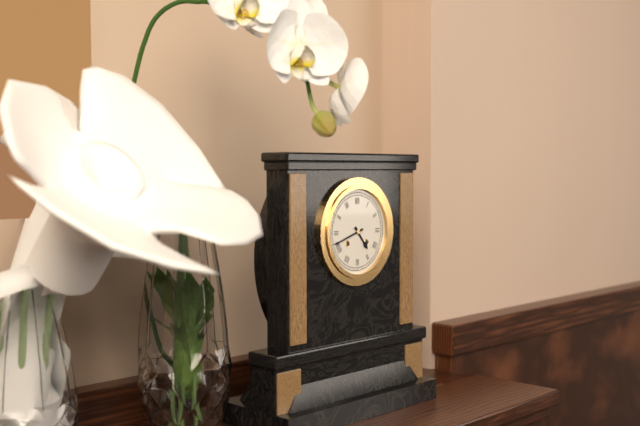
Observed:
{"hour": 4, "minute": 42}
